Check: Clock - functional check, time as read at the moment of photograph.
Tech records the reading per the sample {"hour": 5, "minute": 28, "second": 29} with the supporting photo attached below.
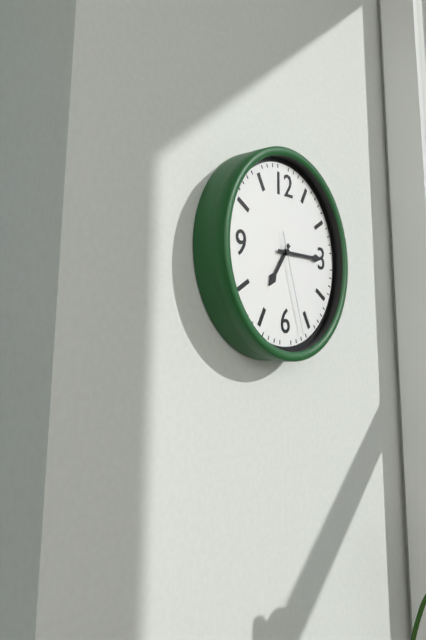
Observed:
{"hour": 7, "minute": 15, "second": 27}
